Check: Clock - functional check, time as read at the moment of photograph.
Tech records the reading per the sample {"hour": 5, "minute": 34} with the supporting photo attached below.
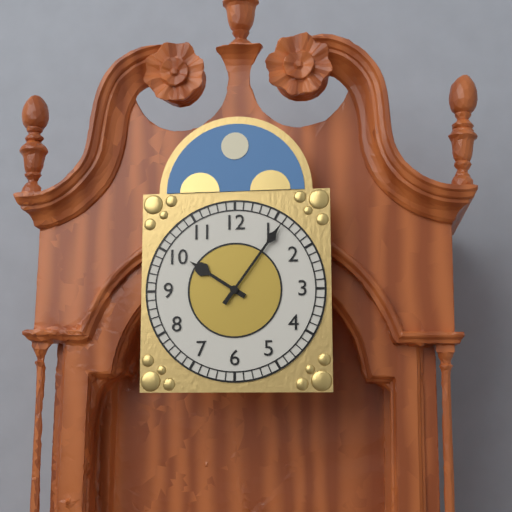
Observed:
{"hour": 10, "minute": 6}
